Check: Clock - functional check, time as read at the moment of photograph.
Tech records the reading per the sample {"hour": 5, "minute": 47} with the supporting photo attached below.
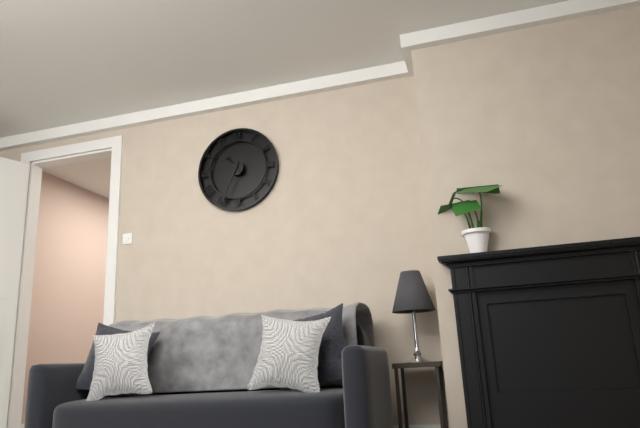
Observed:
{"hour": 10, "minute": 34}
